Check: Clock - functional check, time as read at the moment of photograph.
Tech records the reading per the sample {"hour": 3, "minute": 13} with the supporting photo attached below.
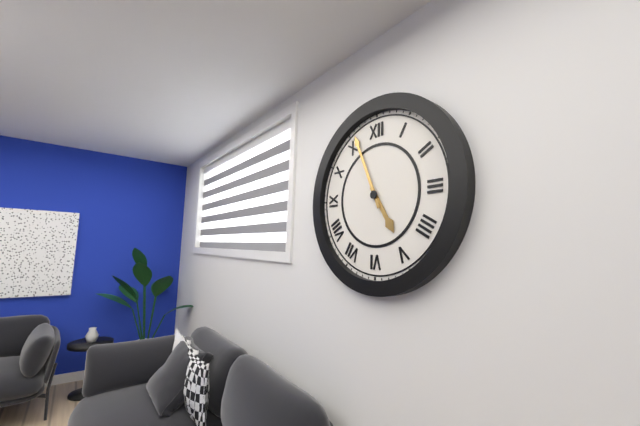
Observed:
{"hour": 4, "minute": 56}
